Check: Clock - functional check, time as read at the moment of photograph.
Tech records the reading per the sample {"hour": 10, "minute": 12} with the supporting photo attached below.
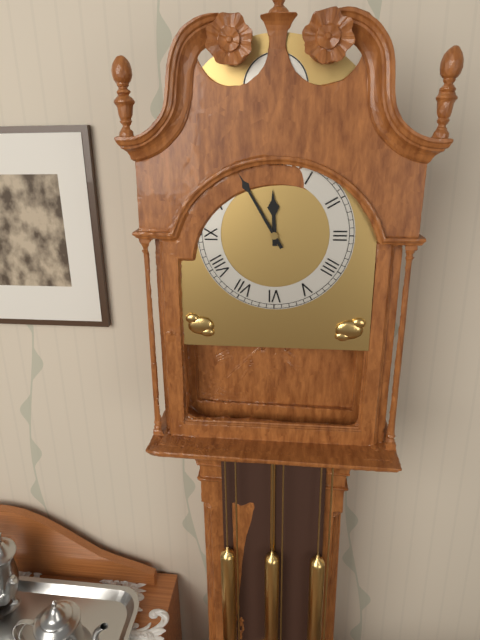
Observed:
{"hour": 11, "minute": 55}
